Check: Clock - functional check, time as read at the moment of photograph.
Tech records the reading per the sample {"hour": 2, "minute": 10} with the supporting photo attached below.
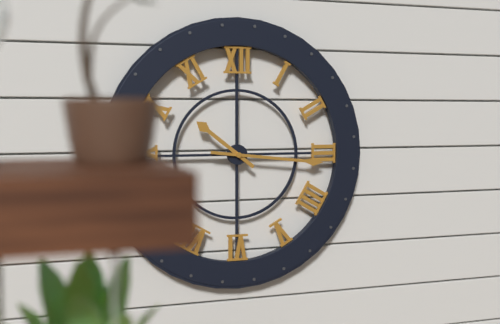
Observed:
{"hour": 10, "minute": 16}
